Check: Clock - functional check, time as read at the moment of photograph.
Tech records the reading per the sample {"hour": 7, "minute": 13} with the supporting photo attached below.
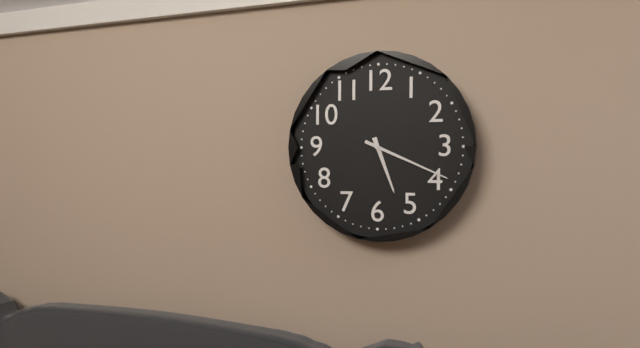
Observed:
{"hour": 5, "minute": 19}
